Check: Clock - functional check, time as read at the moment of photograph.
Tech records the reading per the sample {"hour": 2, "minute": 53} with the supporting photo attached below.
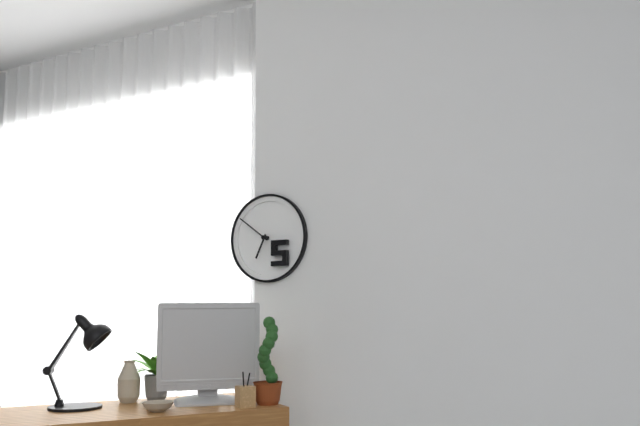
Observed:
{"hour": 6, "minute": 51}
